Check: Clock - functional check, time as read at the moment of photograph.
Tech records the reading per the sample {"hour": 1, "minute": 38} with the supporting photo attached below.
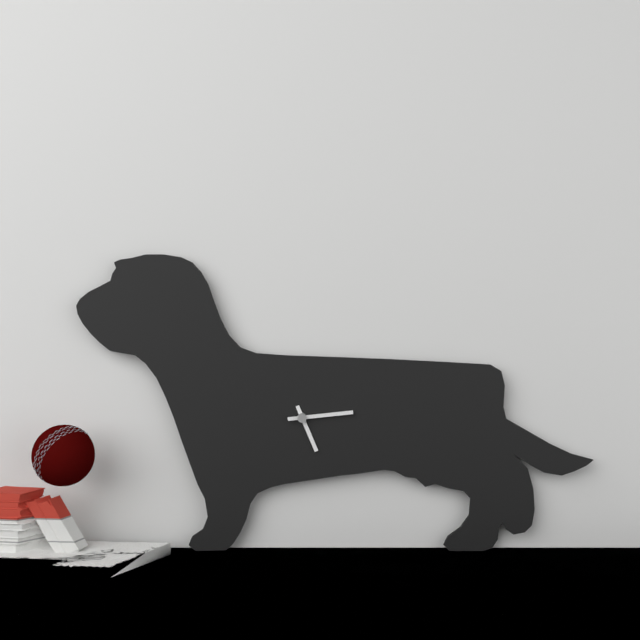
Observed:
{"hour": 5, "minute": 14}
